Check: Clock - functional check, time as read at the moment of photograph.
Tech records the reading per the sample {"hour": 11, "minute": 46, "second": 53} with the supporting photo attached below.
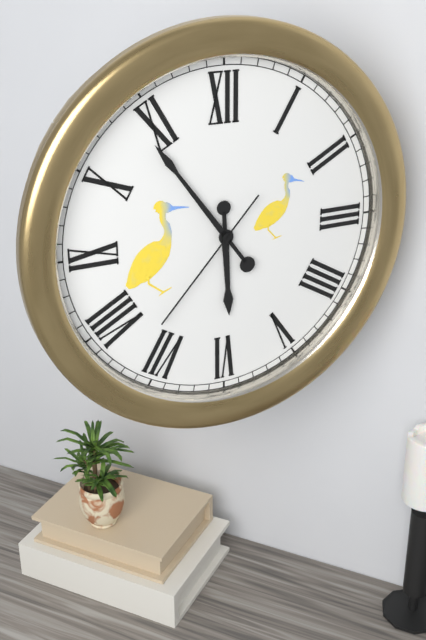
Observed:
{"hour": 5, "minute": 54, "second": 37}
